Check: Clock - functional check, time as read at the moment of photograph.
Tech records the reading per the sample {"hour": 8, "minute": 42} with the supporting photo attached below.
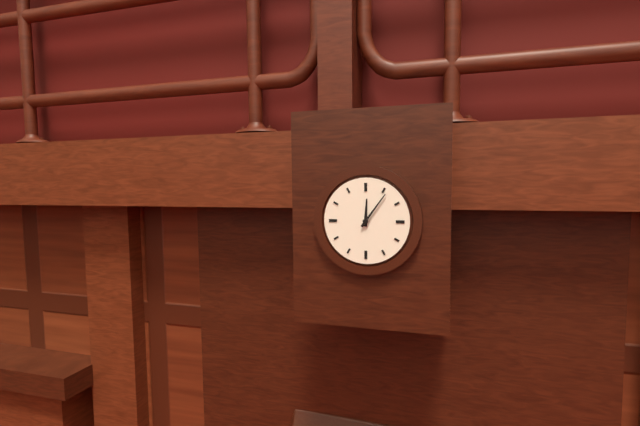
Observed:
{"hour": 12, "minute": 6}
